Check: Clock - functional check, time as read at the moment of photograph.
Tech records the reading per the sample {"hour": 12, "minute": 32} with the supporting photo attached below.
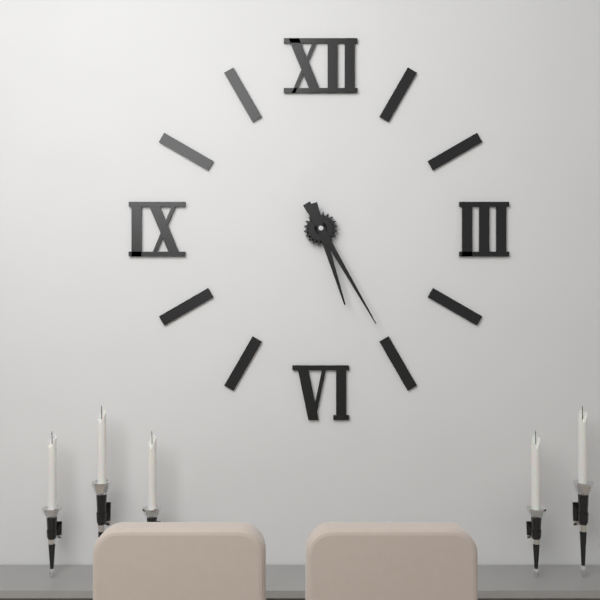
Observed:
{"hour": 5, "minute": 25}
